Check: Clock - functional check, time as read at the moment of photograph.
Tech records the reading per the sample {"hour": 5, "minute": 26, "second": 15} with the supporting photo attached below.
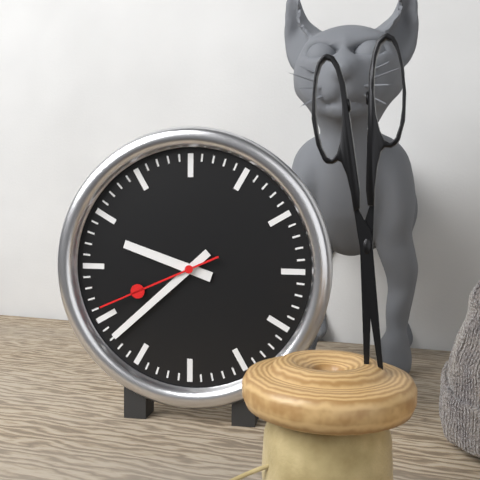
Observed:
{"hour": 9, "minute": 38, "second": 41}
